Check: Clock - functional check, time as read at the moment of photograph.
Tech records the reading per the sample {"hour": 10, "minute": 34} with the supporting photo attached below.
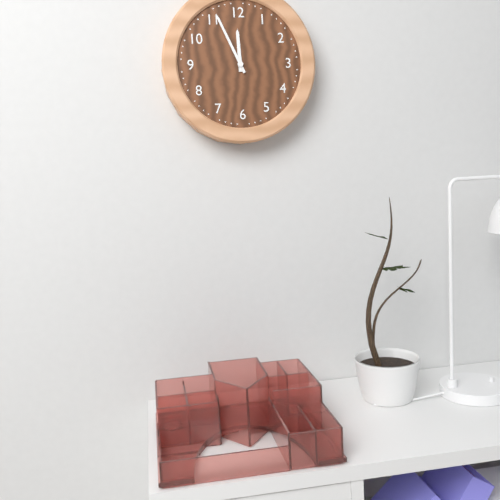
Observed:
{"hour": 11, "minute": 56}
